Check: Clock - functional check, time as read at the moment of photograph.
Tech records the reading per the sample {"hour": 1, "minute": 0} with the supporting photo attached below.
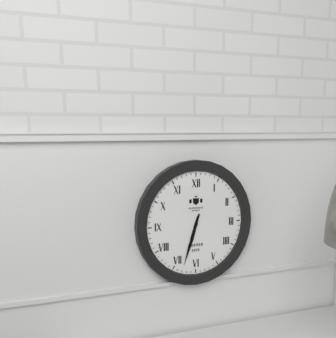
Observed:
{"hour": 6, "minute": 33}
